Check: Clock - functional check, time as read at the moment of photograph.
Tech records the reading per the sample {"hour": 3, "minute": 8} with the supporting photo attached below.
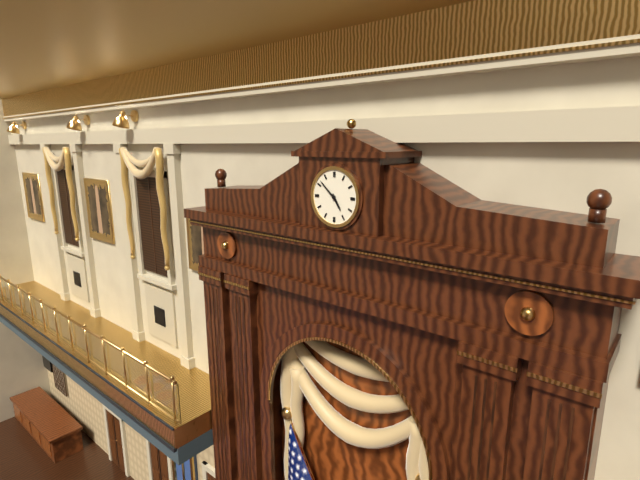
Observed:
{"hour": 4, "minute": 52}
